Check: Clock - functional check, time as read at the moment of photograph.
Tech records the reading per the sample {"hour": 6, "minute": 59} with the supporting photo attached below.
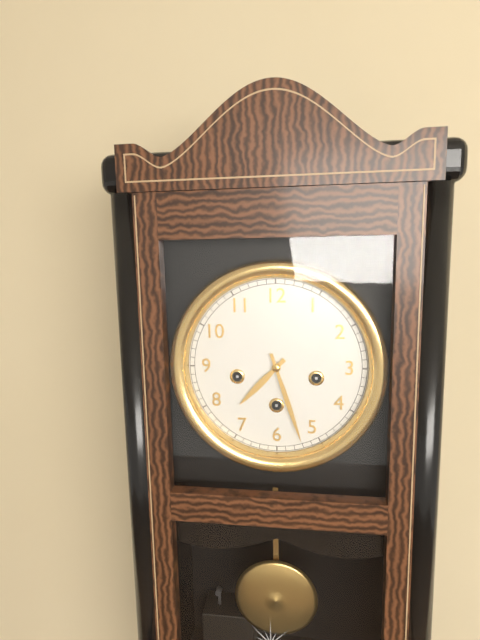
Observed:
{"hour": 7, "minute": 27}
